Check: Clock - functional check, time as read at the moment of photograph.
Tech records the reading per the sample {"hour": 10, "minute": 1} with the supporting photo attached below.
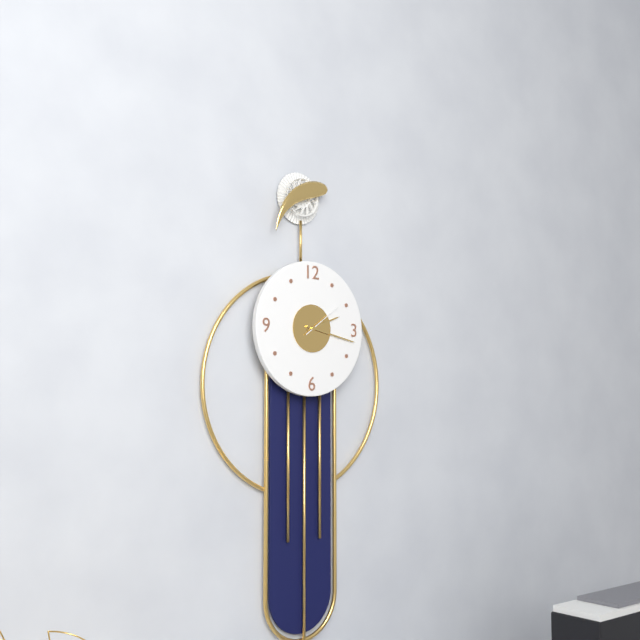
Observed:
{"hour": 2, "minute": 17}
